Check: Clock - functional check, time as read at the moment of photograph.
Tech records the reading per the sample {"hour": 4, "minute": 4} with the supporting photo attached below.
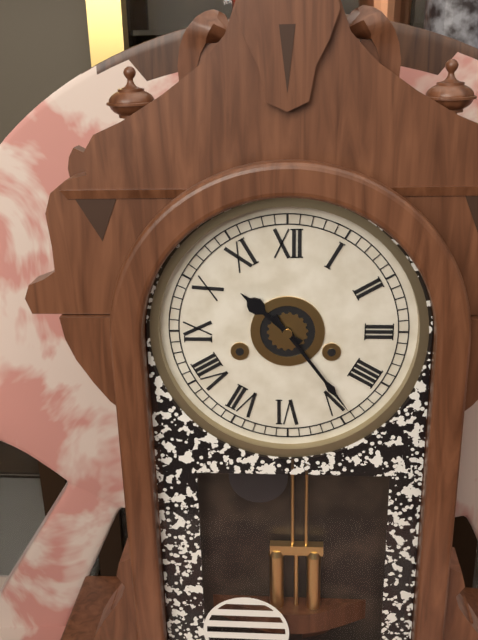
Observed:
{"hour": 10, "minute": 24}
